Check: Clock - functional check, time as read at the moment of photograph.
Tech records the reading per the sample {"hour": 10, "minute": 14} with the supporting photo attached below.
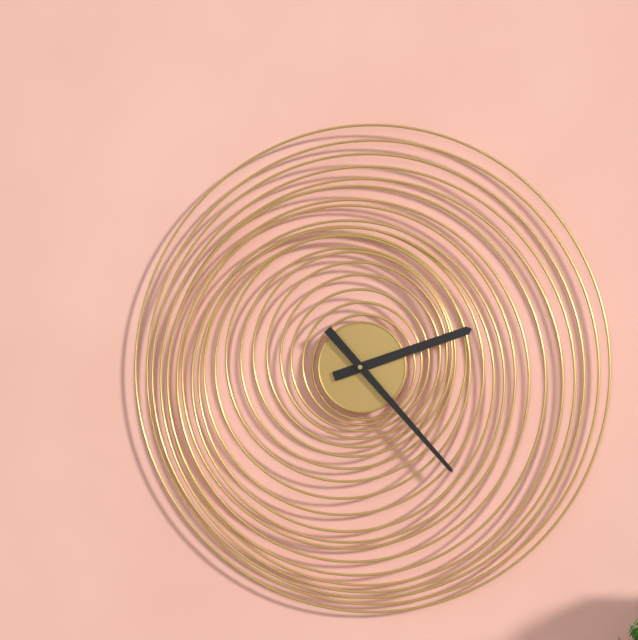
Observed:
{"hour": 2, "minute": 23}
